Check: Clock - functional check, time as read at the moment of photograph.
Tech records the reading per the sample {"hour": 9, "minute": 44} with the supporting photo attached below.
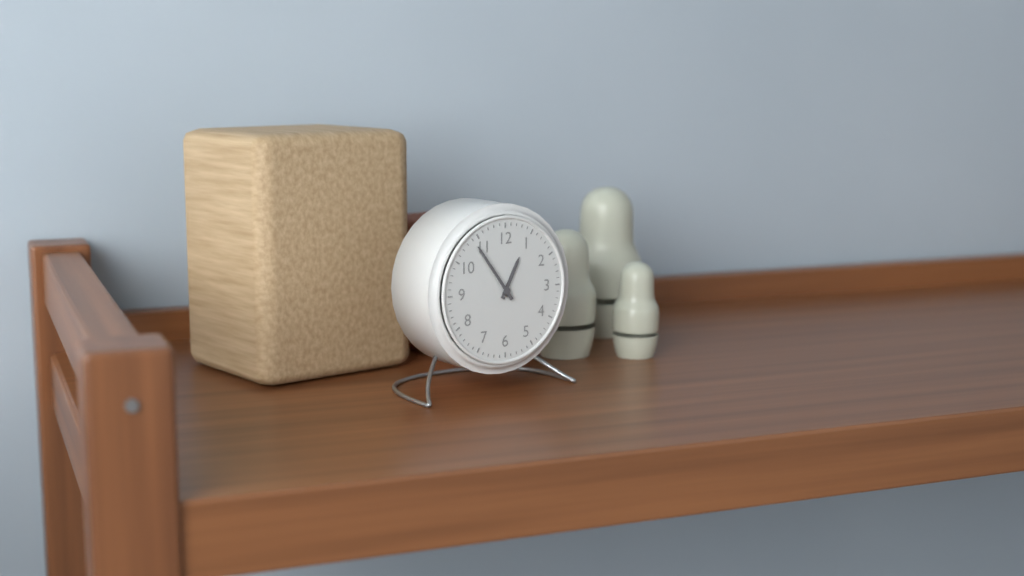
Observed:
{"hour": 12, "minute": 54}
